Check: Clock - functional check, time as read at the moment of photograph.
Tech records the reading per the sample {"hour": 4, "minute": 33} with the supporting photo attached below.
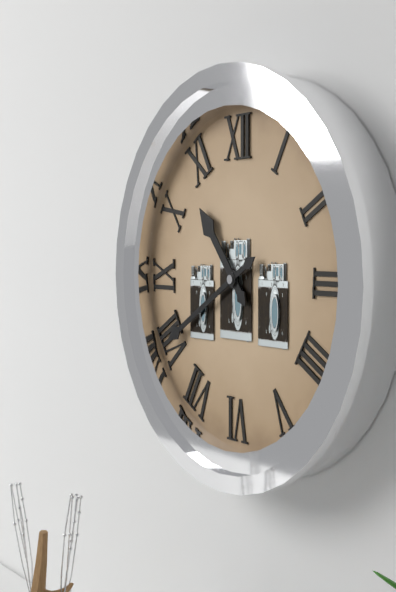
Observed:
{"hour": 10, "minute": 40}
